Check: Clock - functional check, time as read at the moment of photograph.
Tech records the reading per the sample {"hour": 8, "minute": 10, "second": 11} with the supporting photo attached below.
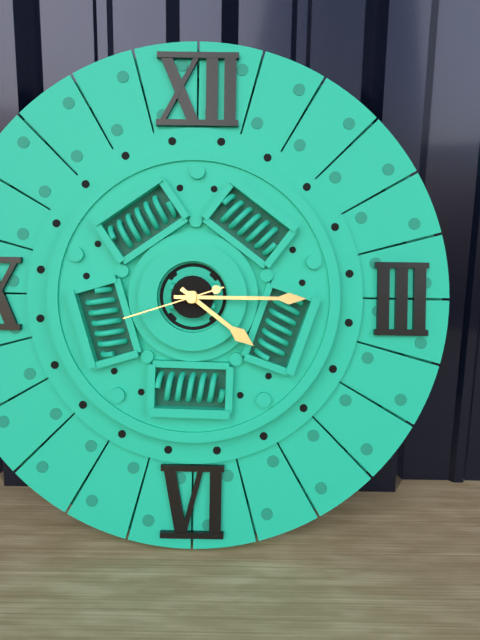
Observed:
{"hour": 4, "minute": 15, "second": 42}
